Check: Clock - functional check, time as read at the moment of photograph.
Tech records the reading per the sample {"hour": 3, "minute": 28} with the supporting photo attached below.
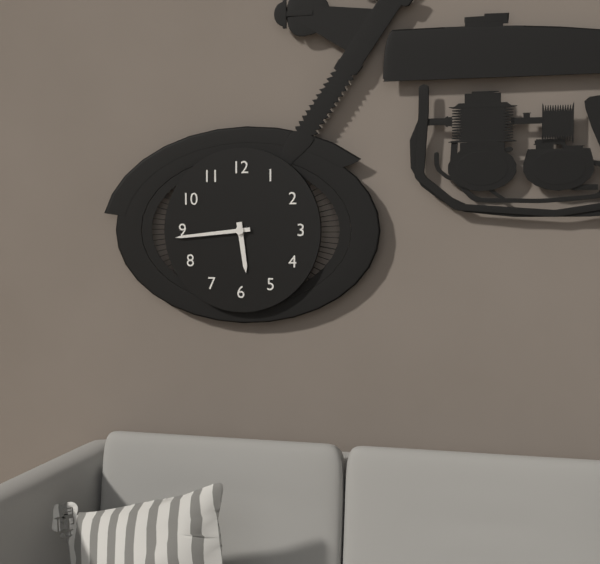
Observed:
{"hour": 5, "minute": 44}
